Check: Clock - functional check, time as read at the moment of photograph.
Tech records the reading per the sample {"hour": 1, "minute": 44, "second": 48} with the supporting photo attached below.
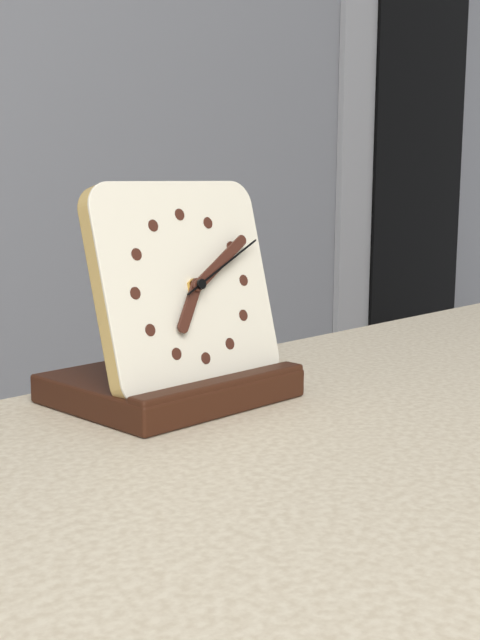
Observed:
{"hour": 7, "minute": 10, "second": 11}
